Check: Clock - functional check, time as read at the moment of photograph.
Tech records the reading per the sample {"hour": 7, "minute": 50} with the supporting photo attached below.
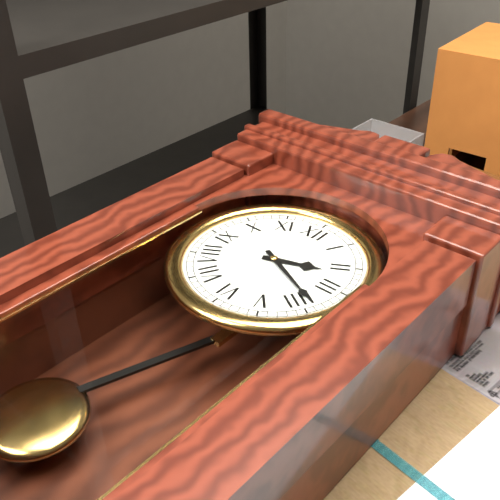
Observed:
{"hour": 2, "minute": 19}
